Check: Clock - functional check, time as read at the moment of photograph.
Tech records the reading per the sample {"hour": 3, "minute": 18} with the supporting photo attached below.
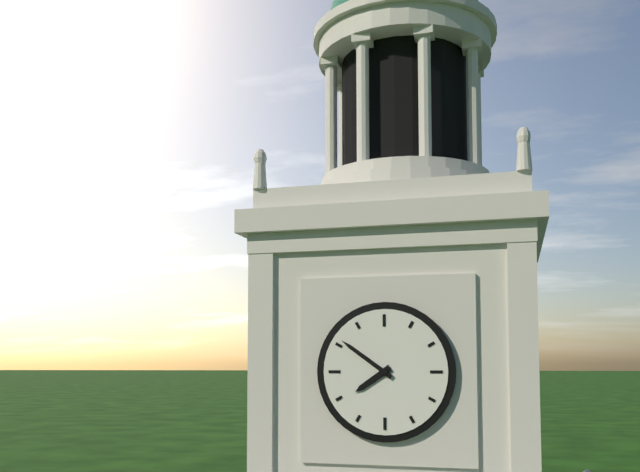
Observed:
{"hour": 7, "minute": 51}
